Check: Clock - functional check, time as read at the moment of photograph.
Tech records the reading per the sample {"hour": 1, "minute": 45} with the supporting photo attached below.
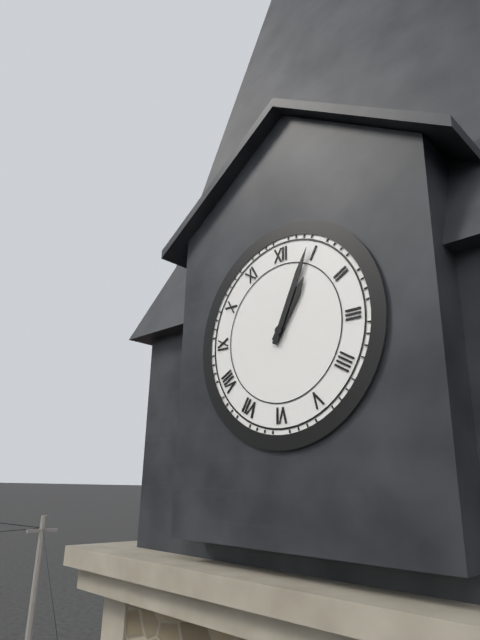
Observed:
{"hour": 1, "minute": 4}
